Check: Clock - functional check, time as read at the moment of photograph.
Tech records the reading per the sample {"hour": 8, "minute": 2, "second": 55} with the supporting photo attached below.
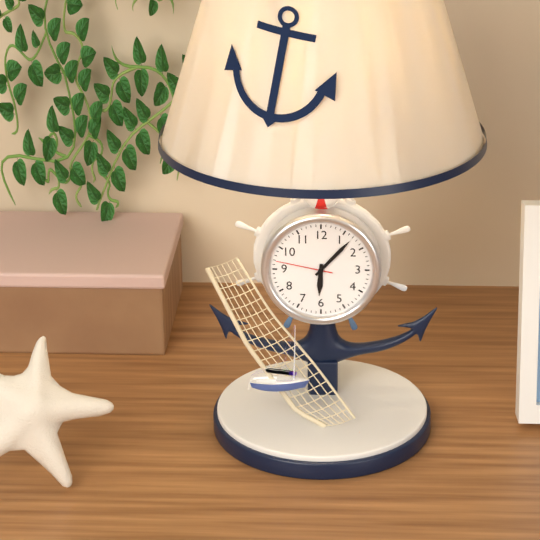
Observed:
{"hour": 6, "minute": 7, "second": 47}
